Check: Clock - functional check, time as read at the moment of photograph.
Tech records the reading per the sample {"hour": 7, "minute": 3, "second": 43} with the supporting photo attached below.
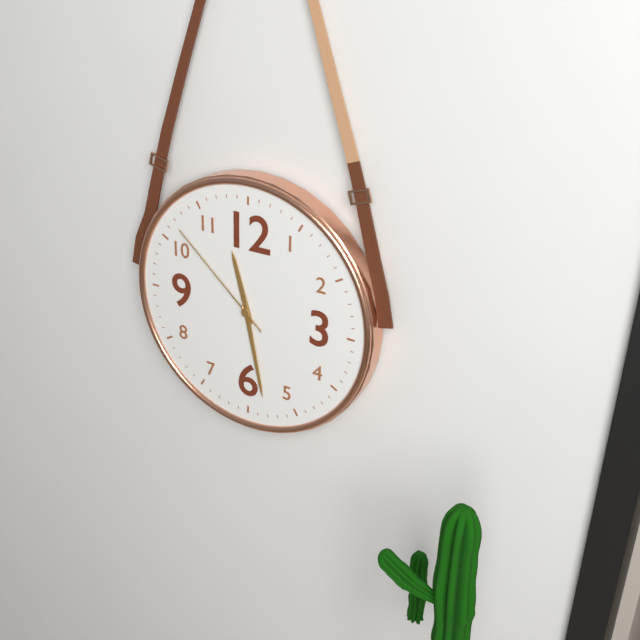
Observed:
{"hour": 11, "minute": 28, "second": 52}
